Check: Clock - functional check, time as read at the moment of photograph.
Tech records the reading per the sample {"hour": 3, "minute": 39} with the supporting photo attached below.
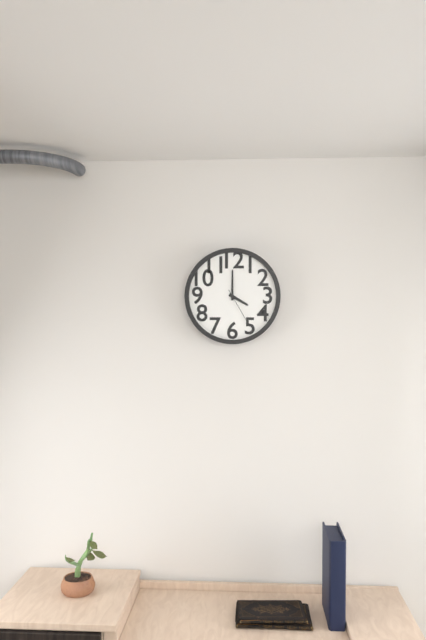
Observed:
{"hour": 4, "minute": 0}
